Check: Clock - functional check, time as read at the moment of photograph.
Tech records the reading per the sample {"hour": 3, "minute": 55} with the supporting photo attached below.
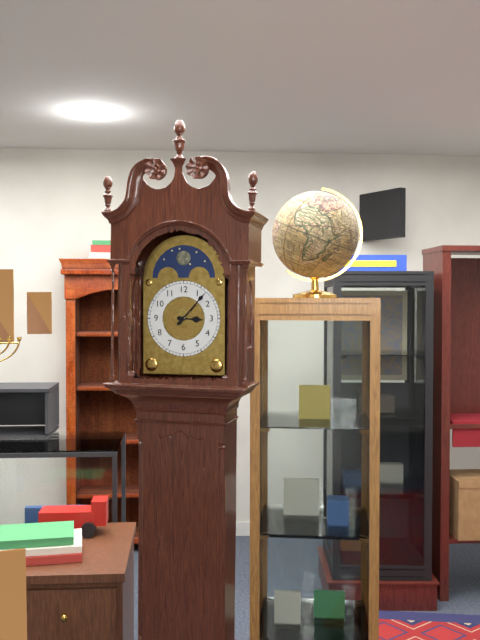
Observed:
{"hour": 3, "minute": 7}
